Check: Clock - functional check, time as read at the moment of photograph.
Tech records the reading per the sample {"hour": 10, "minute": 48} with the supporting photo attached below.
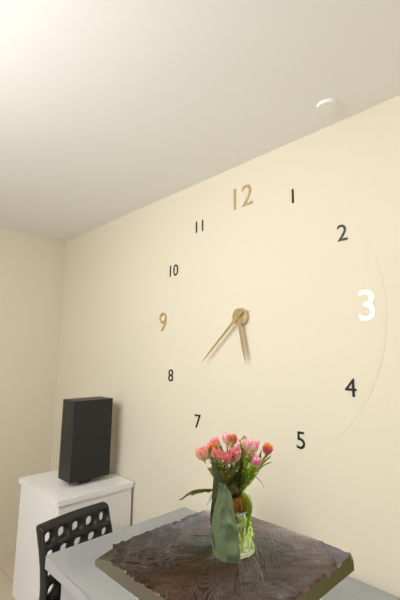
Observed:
{"hour": 5, "minute": 38}
